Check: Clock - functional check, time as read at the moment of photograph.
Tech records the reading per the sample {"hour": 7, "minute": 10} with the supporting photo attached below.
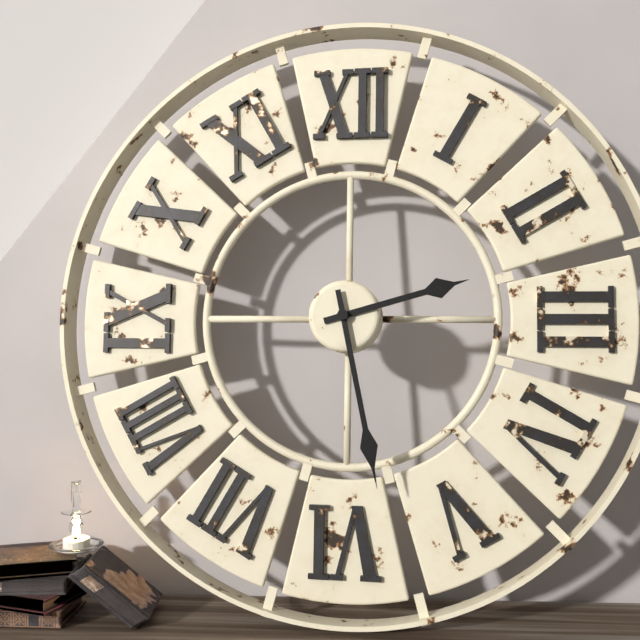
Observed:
{"hour": 2, "minute": 28}
